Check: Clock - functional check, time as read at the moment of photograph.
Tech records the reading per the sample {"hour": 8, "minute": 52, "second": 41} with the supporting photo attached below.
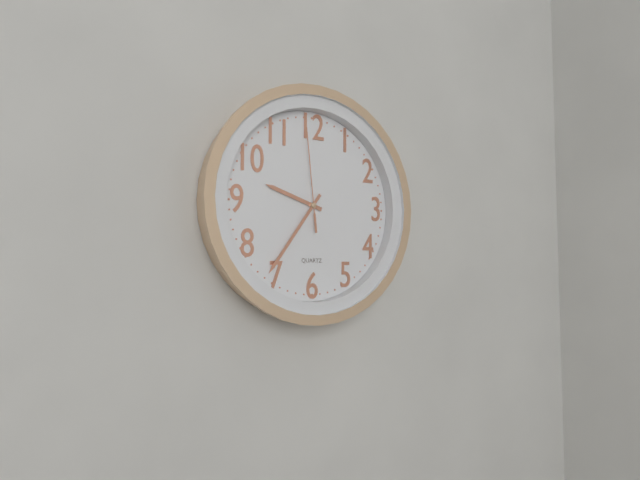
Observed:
{"hour": 9, "minute": 36, "second": 59}
